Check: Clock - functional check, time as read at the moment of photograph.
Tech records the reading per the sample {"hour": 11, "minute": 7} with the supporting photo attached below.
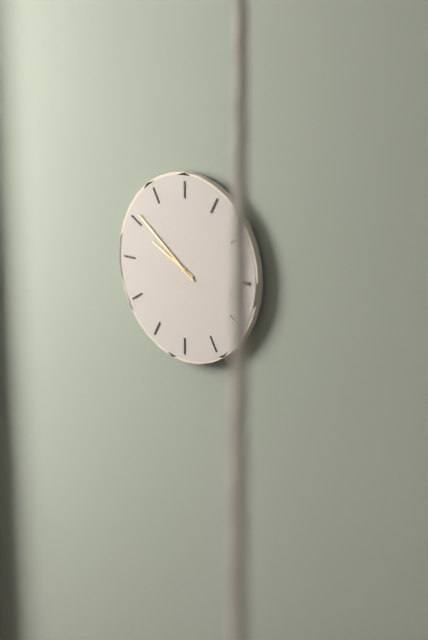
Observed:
{"hour": 9, "minute": 51}
